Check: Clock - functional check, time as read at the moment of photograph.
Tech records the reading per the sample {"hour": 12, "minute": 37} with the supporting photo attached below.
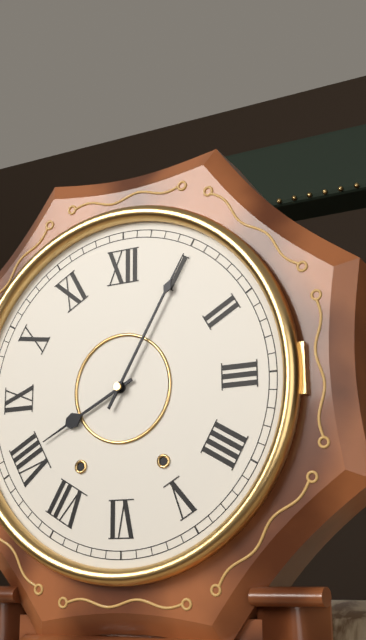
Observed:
{"hour": 8, "minute": 5}
